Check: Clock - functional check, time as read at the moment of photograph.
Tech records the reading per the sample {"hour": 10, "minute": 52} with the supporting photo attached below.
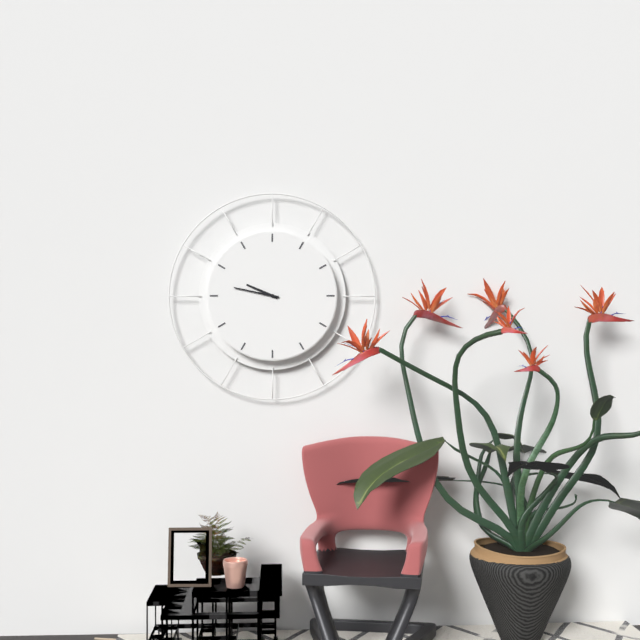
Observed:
{"hour": 9, "minute": 47}
